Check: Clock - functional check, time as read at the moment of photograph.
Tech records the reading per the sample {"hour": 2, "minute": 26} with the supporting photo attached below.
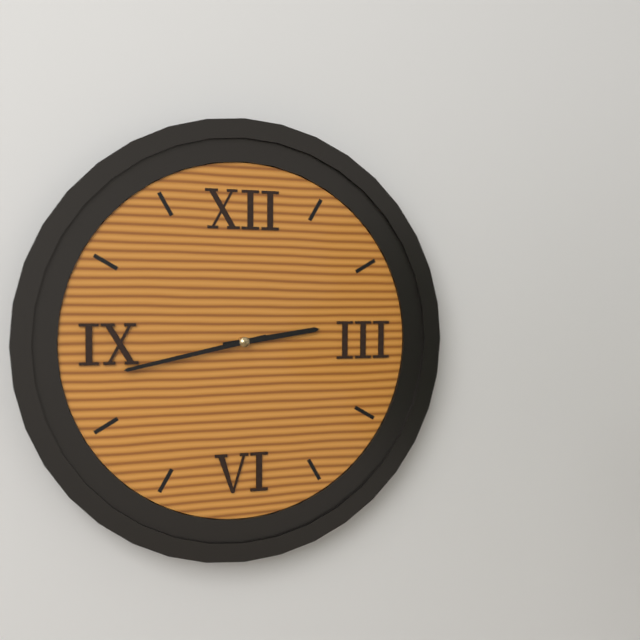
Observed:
{"hour": 2, "minute": 43}
